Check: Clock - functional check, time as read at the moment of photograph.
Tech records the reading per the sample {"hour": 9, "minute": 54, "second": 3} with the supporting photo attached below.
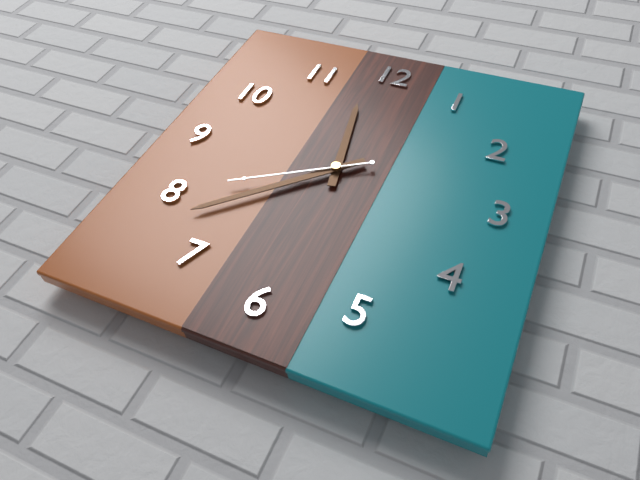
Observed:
{"hour": 11, "minute": 38, "second": 40}
